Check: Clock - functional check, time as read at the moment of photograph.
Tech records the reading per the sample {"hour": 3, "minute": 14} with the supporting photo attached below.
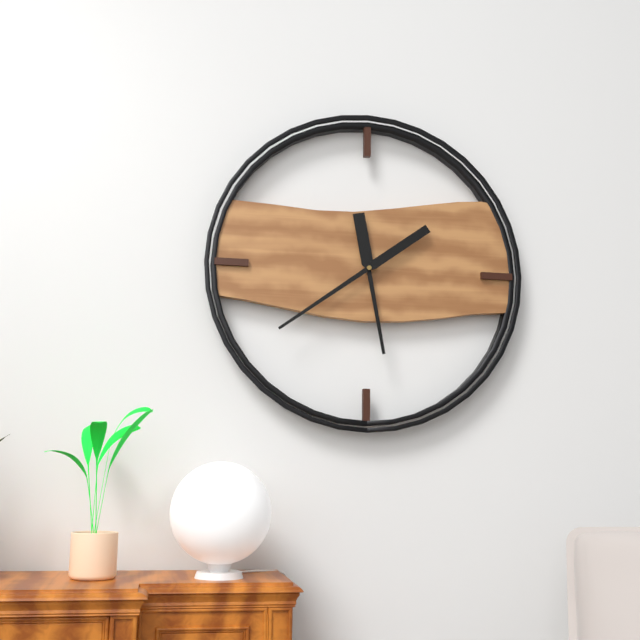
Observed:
{"hour": 5, "minute": 39}
